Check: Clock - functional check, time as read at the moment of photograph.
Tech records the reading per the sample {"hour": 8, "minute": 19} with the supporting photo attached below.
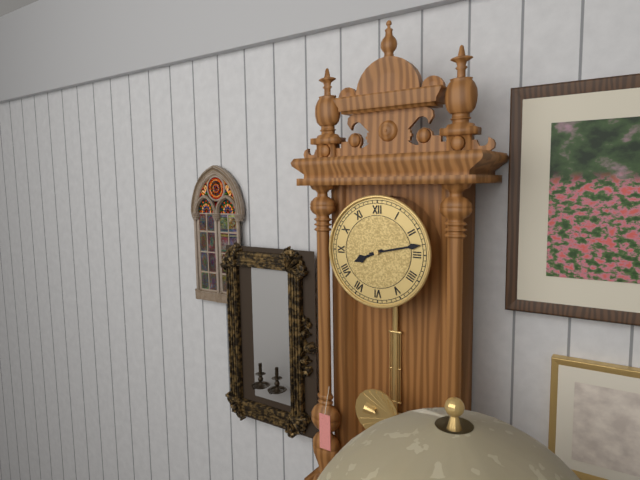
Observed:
{"hour": 8, "minute": 13}
